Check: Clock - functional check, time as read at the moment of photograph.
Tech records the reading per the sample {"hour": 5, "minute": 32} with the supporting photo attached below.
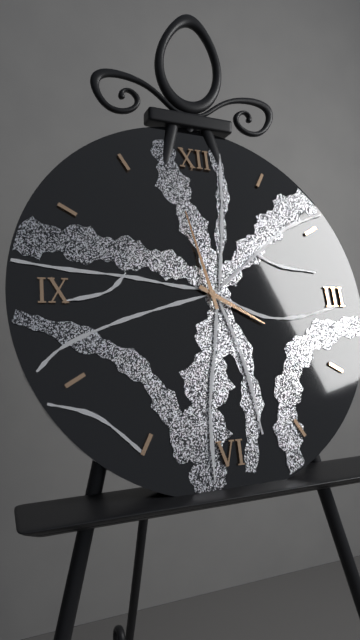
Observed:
{"hour": 3, "minute": 58}
